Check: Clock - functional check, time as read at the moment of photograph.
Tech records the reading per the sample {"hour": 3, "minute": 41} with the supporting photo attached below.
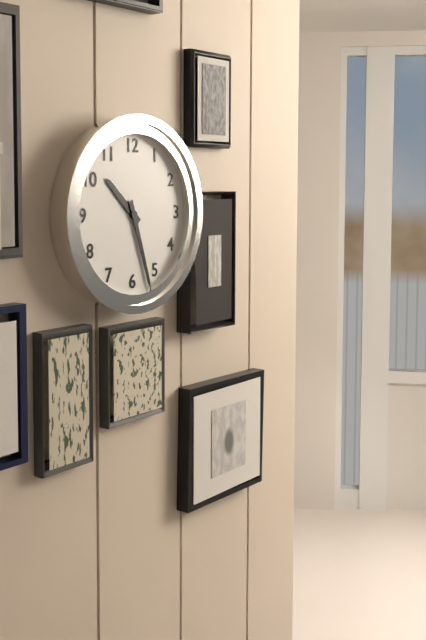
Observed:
{"hour": 10, "minute": 27}
